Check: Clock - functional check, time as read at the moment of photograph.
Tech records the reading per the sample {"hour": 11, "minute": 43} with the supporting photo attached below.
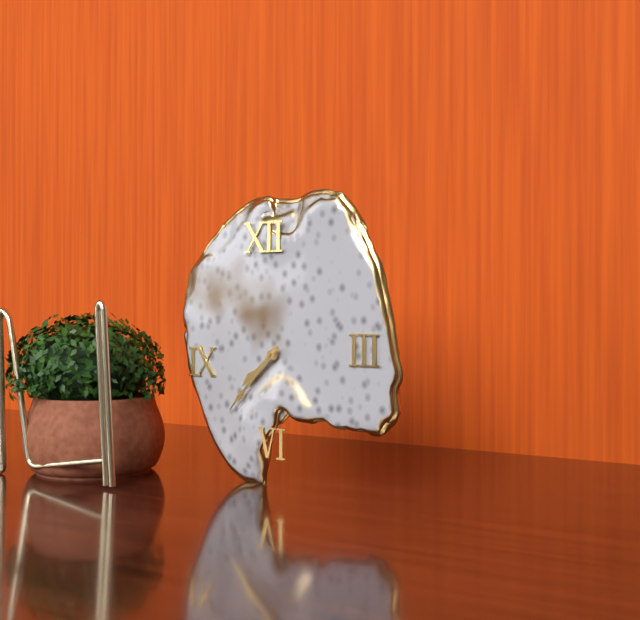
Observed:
{"hour": 7, "minute": 37}
